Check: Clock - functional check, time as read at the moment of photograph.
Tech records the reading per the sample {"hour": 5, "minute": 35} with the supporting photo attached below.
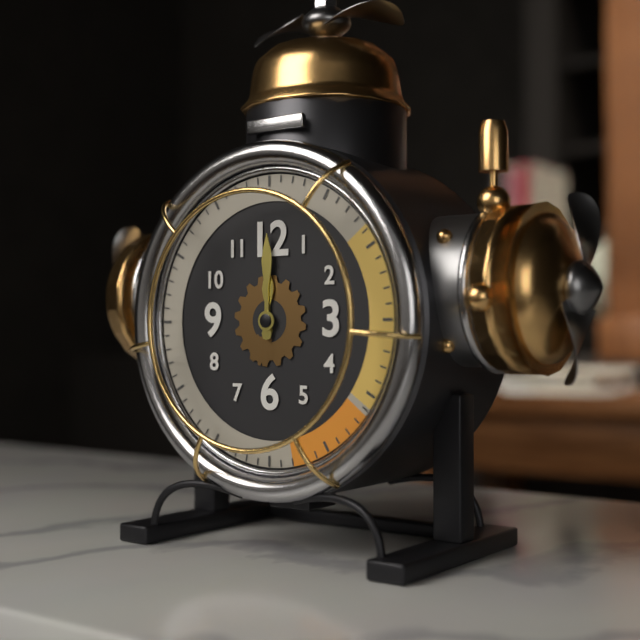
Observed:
{"hour": 12, "minute": 0}
